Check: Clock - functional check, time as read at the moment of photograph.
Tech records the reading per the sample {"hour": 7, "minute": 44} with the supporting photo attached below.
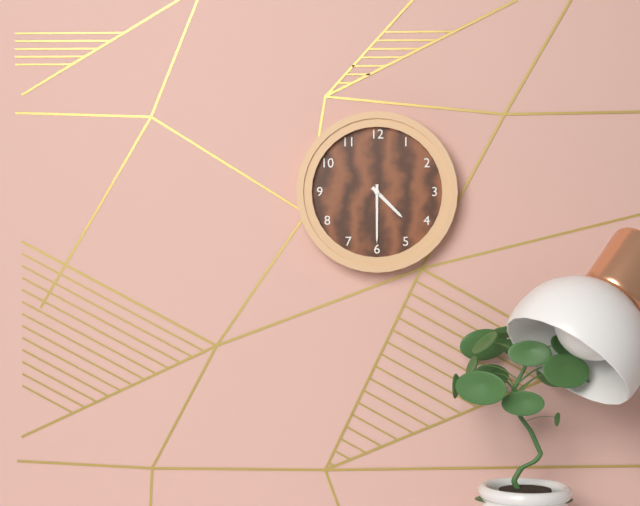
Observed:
{"hour": 4, "minute": 30}
